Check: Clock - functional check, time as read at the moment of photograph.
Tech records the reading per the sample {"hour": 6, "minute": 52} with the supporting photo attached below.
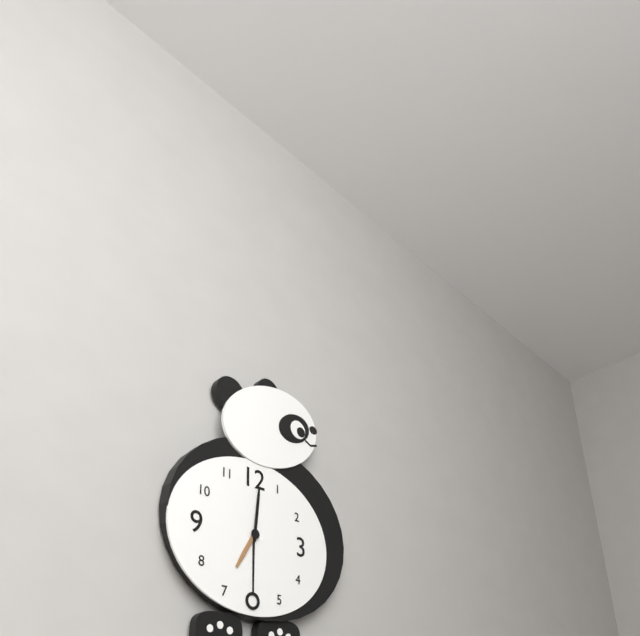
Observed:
{"hour": 7, "minute": 1}
